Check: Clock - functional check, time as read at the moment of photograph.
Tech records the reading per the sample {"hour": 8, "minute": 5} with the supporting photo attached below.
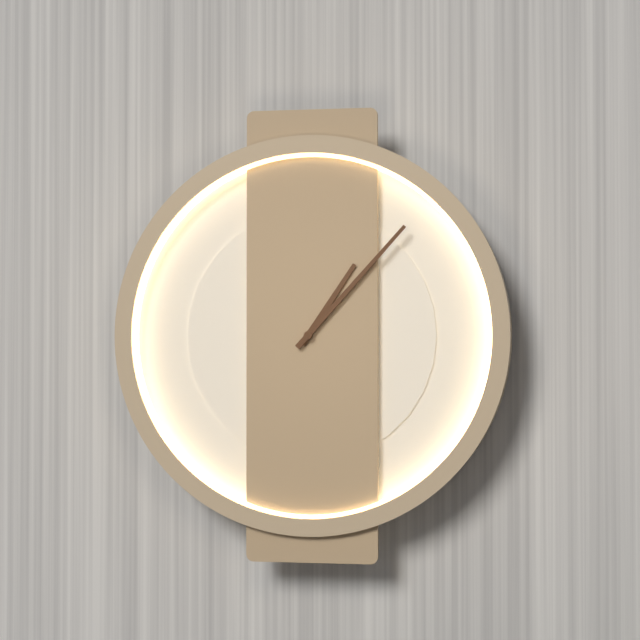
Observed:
{"hour": 1, "minute": 7}
